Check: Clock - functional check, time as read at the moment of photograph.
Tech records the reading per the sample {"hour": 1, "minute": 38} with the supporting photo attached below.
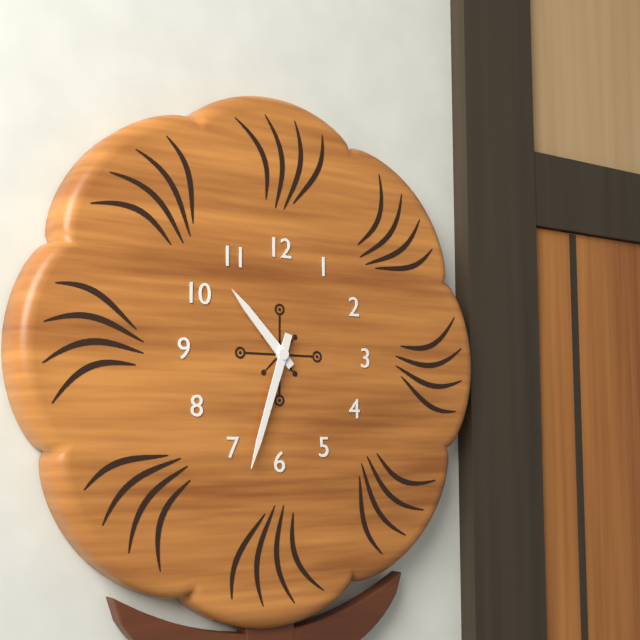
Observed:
{"hour": 10, "minute": 33}
